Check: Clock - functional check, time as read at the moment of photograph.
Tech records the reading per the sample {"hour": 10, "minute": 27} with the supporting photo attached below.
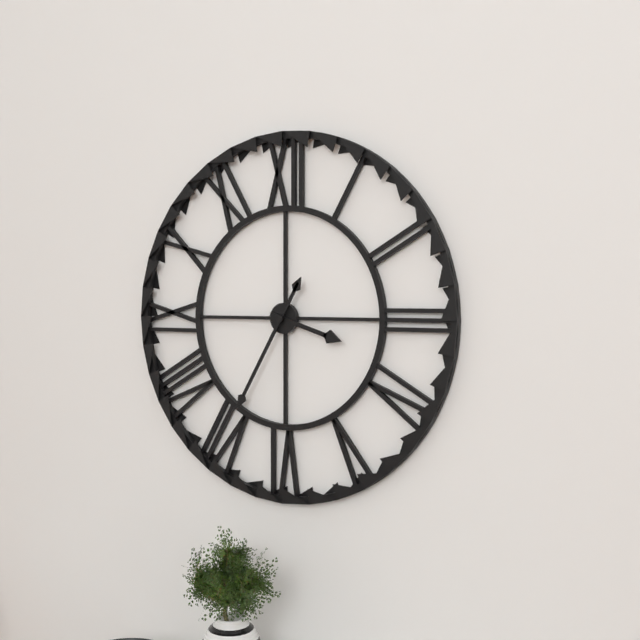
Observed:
{"hour": 3, "minute": 35}
